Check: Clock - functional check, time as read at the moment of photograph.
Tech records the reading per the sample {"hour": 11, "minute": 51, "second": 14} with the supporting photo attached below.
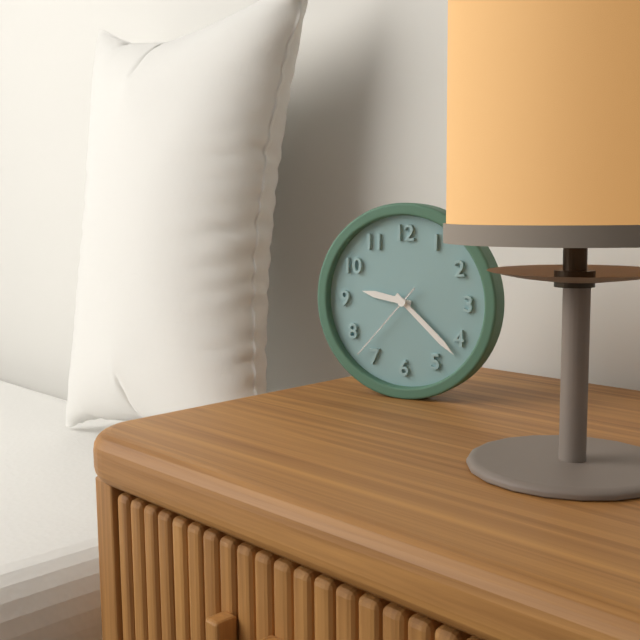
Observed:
{"hour": 9, "minute": 22, "second": 37}
